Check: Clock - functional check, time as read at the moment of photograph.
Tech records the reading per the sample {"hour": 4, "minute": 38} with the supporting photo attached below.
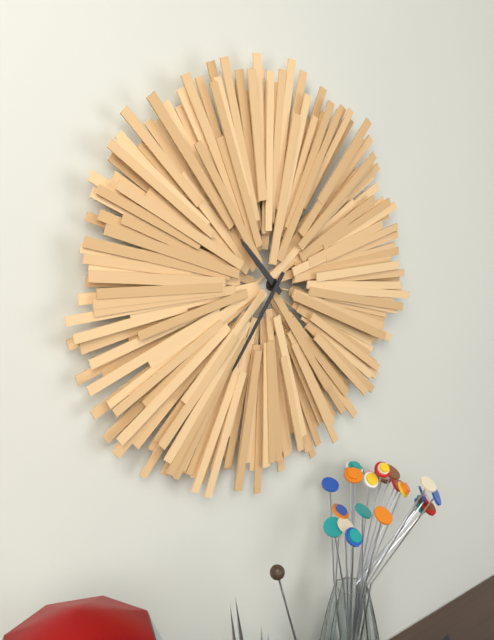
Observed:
{"hour": 10, "minute": 36}
